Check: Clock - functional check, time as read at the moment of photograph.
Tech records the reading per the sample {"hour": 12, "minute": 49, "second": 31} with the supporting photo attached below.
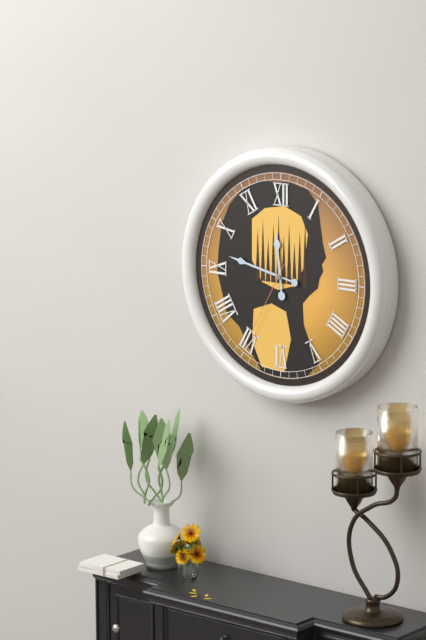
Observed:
{"hour": 11, "minute": 47, "second": 35}
